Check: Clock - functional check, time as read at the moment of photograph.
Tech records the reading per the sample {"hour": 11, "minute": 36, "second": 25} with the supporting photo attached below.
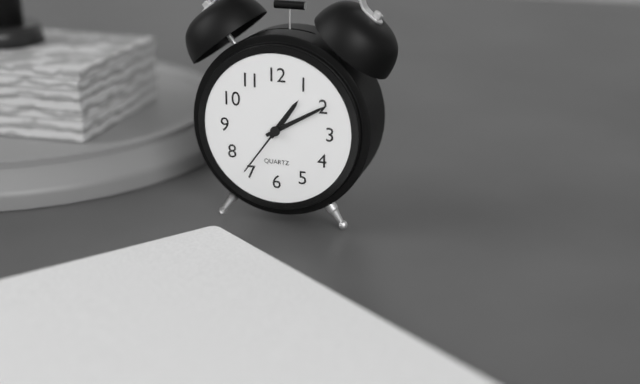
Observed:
{"hour": 1, "minute": 10, "second": 36}
